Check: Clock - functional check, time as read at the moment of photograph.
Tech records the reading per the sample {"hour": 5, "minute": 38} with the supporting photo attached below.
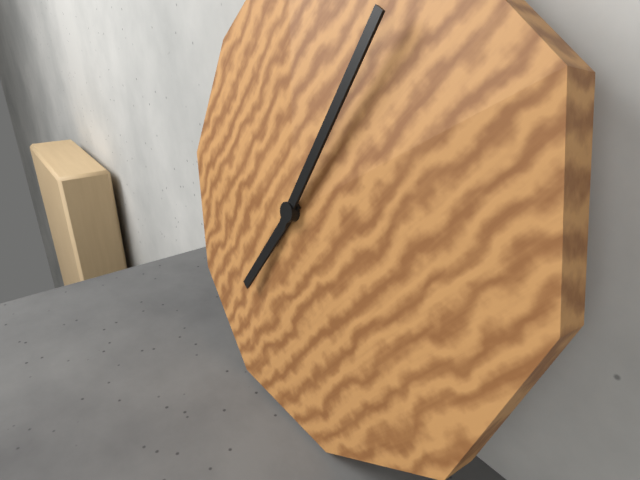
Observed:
{"hour": 7, "minute": 4}
